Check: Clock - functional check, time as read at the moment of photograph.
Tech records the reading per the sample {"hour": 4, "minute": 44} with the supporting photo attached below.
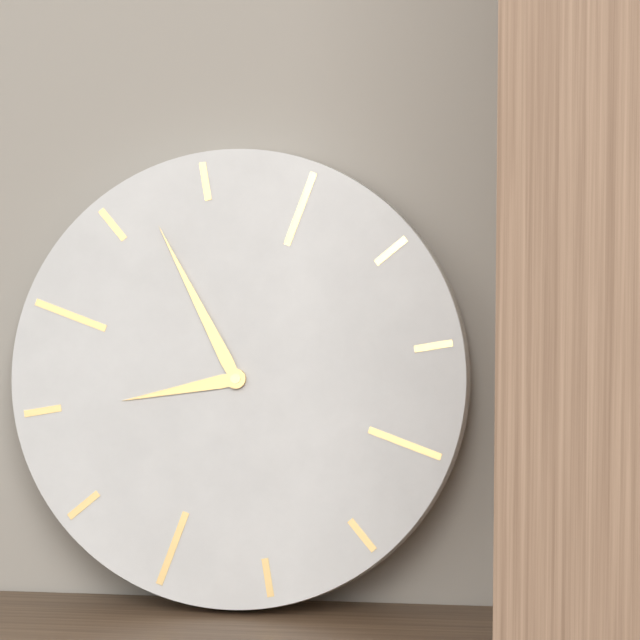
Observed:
{"hour": 8, "minute": 57}
